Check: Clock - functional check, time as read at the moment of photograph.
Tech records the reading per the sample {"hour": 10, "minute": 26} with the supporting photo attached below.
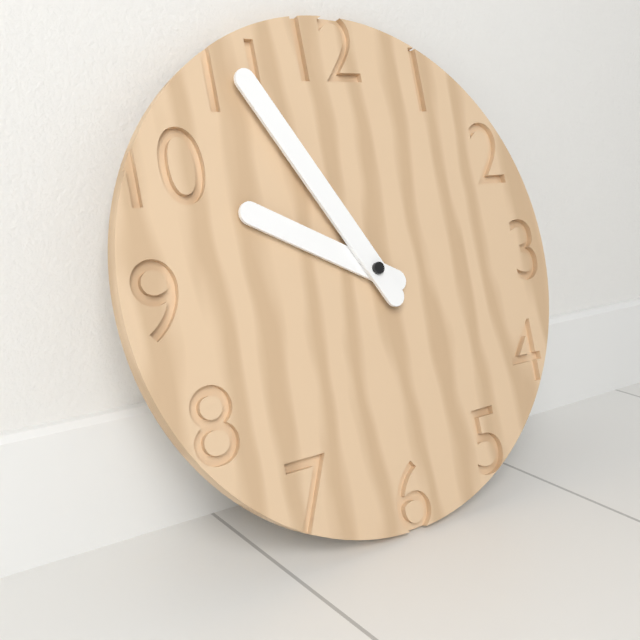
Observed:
{"hour": 9, "minute": 55}
